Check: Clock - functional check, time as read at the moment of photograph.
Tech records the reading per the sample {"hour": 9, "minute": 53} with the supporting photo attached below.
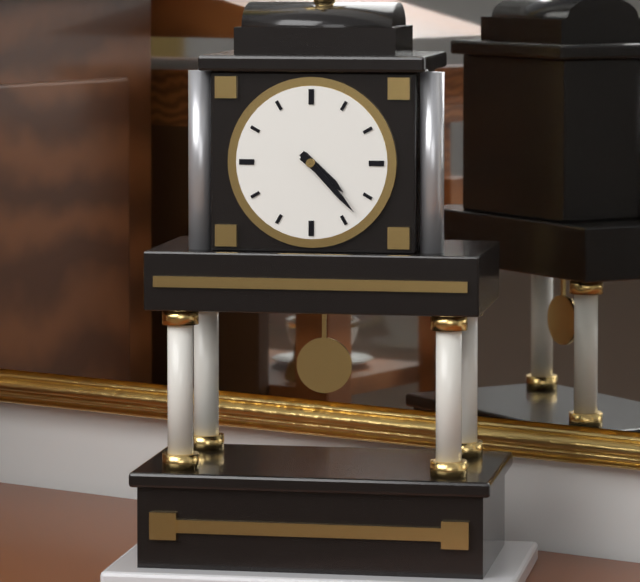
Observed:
{"hour": 4, "minute": 23}
